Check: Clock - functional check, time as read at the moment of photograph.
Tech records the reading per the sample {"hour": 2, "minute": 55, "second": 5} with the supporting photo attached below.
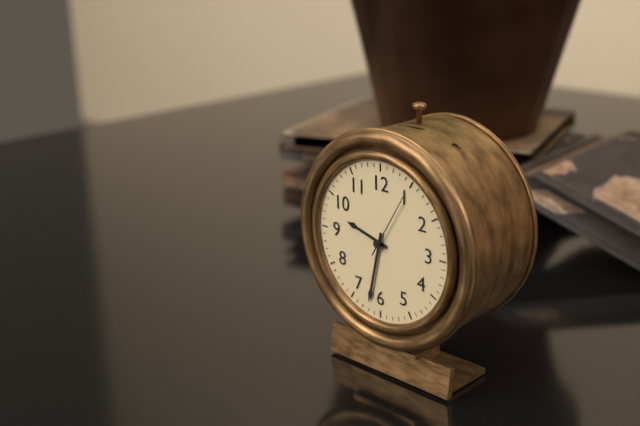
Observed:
{"hour": 9, "minute": 32, "second": 5}
